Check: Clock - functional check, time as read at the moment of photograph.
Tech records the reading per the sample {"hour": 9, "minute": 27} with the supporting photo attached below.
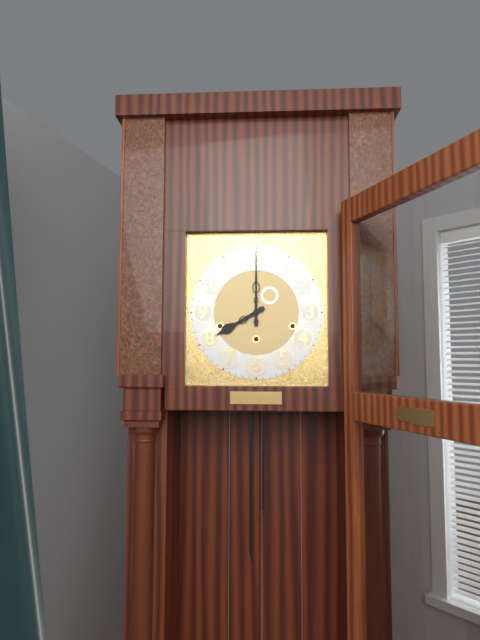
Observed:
{"hour": 8, "minute": 0}
